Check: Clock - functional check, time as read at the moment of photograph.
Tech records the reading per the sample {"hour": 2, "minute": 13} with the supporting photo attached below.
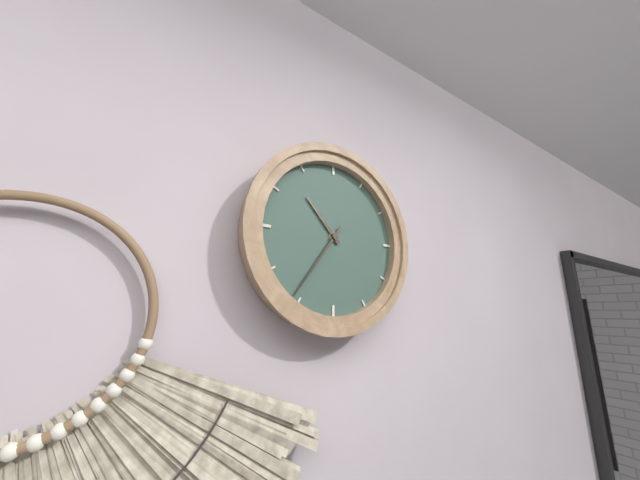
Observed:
{"hour": 10, "minute": 36}
